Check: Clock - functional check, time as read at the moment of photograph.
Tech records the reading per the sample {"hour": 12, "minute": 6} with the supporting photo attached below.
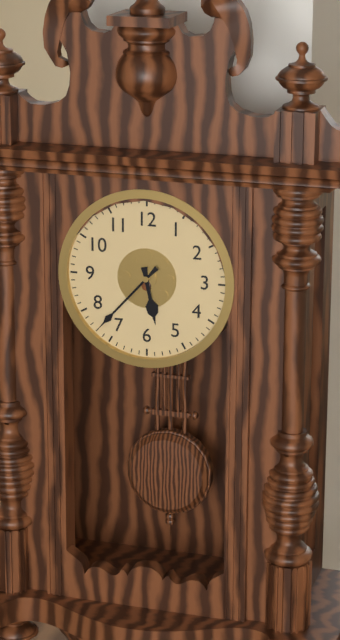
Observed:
{"hour": 5, "minute": 37}
